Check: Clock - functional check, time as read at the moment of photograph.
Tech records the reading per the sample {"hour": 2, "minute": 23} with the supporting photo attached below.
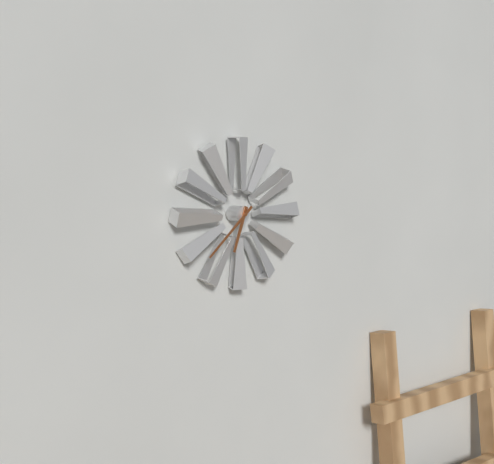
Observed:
{"hour": 6, "minute": 38}
